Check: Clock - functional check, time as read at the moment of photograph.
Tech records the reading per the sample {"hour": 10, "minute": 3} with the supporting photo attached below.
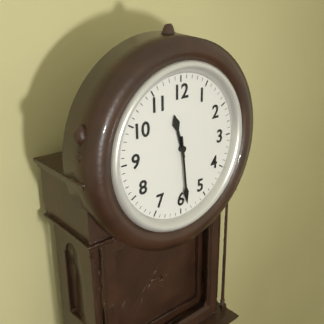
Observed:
{"hour": 11, "minute": 29}
